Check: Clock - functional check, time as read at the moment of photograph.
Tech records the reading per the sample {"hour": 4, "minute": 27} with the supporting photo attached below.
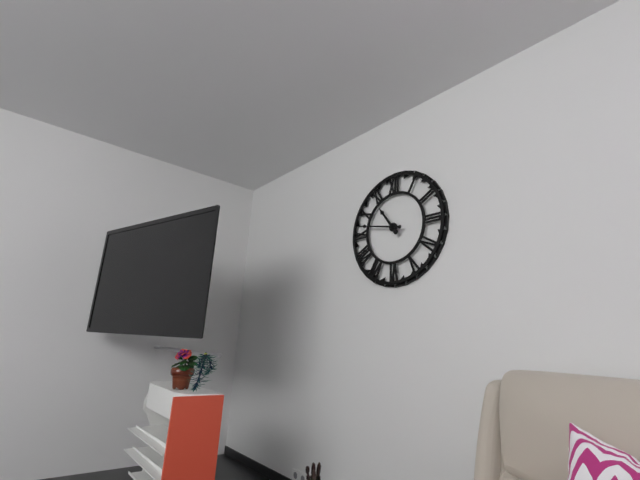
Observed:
{"hour": 10, "minute": 47}
